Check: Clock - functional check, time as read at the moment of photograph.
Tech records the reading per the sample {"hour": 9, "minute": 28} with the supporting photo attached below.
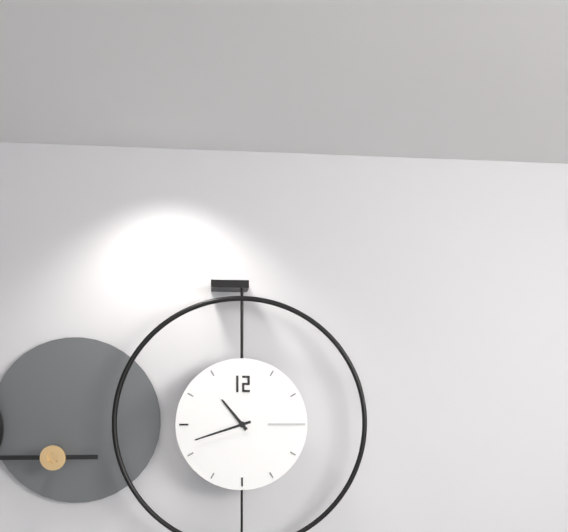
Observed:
{"hour": 10, "minute": 42}
